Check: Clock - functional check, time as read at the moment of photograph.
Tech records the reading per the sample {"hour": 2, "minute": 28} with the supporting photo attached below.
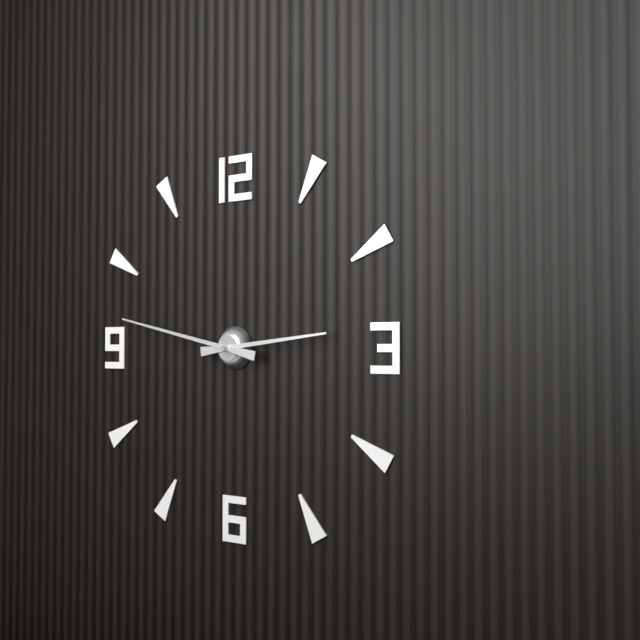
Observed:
{"hour": 2, "minute": 47}
